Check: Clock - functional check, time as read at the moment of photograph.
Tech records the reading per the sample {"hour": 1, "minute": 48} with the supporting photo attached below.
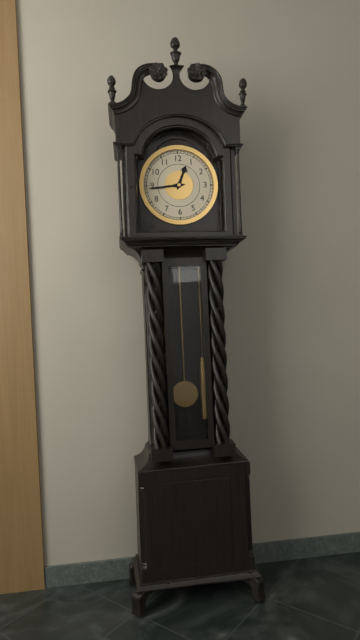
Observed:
{"hour": 12, "minute": 44}
